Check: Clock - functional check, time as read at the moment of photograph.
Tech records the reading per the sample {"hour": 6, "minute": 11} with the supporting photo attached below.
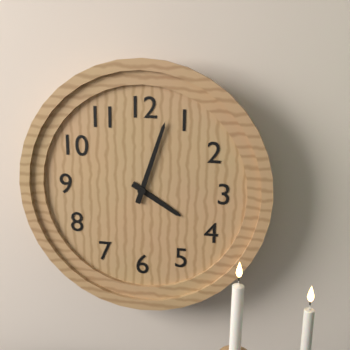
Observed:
{"hour": 4, "minute": 3}
